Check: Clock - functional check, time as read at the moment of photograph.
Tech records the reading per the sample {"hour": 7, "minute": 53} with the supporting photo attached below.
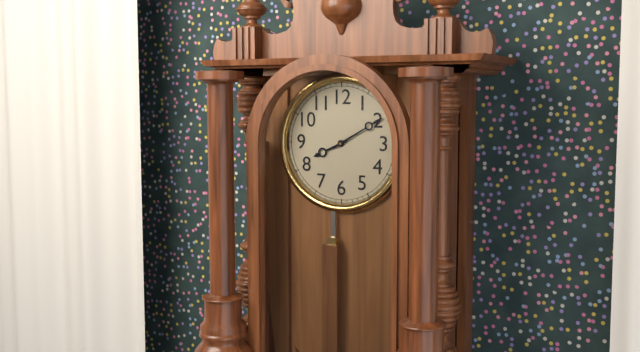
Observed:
{"hour": 8, "minute": 10}
